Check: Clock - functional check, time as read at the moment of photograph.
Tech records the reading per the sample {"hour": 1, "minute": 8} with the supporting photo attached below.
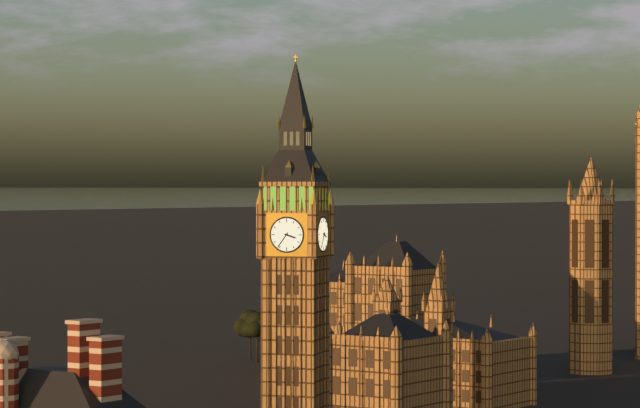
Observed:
{"hour": 3, "minute": 36}
